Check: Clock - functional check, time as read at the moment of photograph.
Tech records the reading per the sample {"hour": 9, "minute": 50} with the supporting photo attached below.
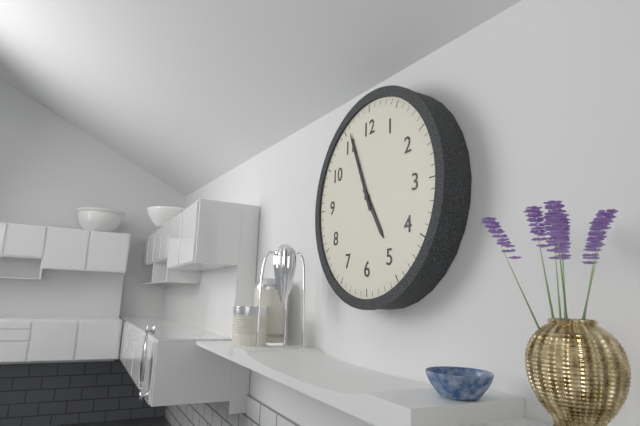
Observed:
{"hour": 4, "minute": 56}
